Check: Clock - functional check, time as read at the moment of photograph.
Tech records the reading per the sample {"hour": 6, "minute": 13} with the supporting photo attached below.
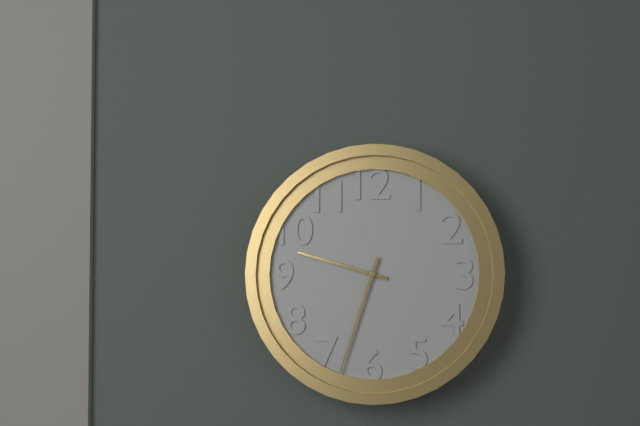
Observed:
{"hour": 9, "minute": 33}
